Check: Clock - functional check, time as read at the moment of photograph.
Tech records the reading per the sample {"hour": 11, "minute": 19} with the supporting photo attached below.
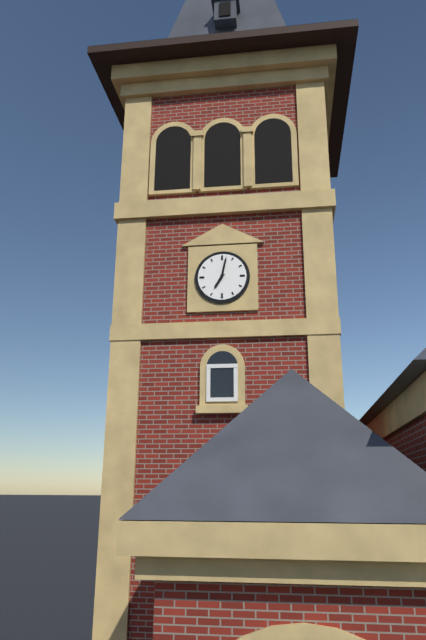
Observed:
{"hour": 7, "minute": 2}
